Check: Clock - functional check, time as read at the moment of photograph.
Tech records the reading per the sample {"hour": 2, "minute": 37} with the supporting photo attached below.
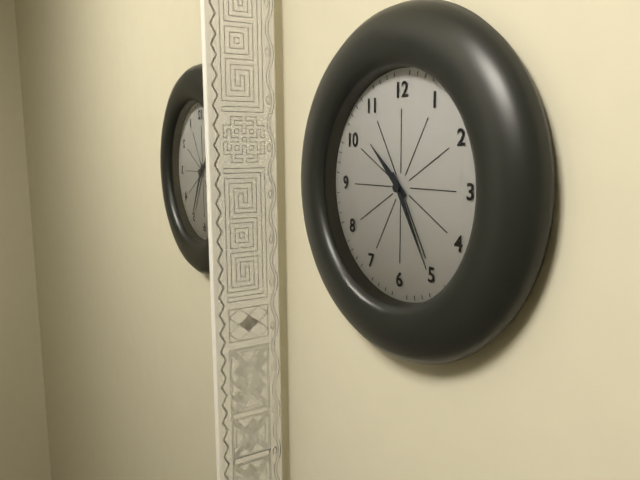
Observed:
{"hour": 10, "minute": 25}
